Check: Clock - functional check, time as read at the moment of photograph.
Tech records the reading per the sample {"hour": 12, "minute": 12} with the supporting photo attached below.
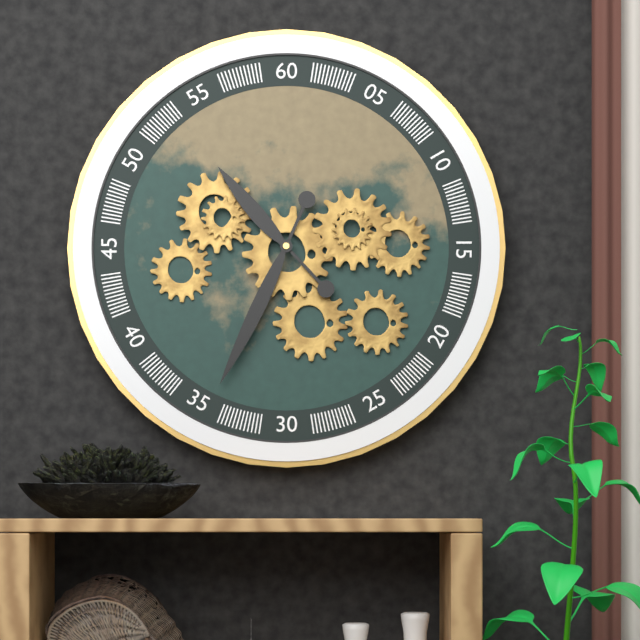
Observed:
{"hour": 10, "minute": 34}
